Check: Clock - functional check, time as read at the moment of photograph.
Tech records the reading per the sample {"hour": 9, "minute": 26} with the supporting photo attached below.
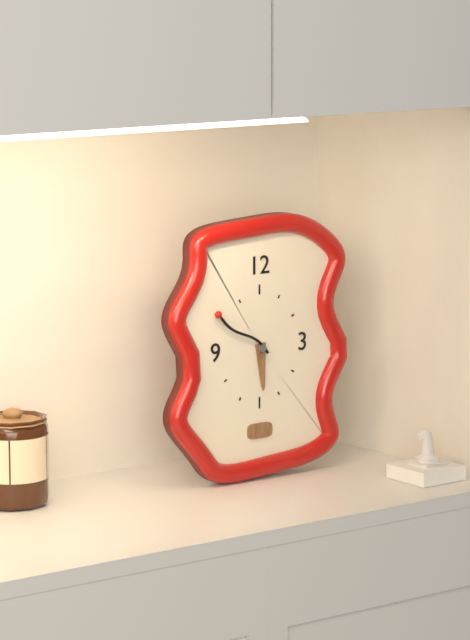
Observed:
{"hour": 5, "minute": 51}
